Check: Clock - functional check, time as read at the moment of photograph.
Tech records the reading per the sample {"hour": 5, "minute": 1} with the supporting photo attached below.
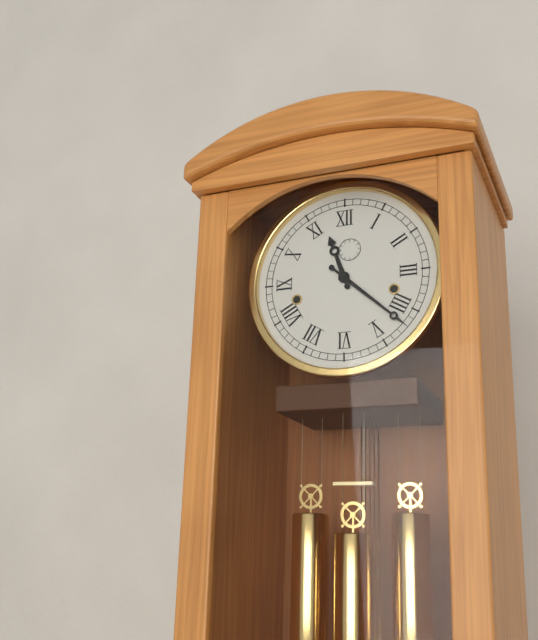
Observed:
{"hour": 11, "minute": 22}
